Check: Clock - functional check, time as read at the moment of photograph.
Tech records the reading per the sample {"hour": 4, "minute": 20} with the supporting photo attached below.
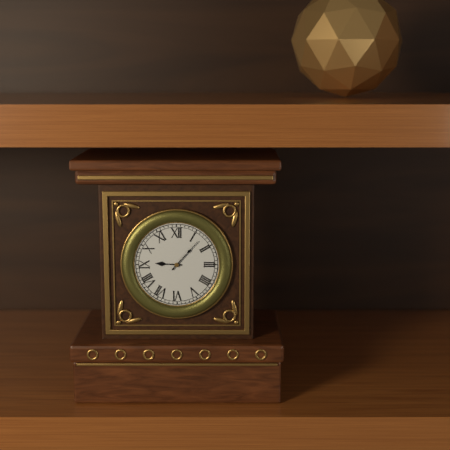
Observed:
{"hour": 9, "minute": 7}
